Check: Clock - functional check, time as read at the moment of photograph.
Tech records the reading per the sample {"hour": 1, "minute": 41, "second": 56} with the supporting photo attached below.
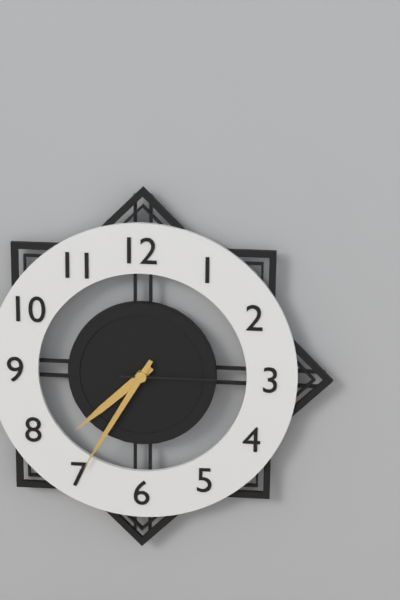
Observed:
{"hour": 7, "minute": 35, "second": 15}
